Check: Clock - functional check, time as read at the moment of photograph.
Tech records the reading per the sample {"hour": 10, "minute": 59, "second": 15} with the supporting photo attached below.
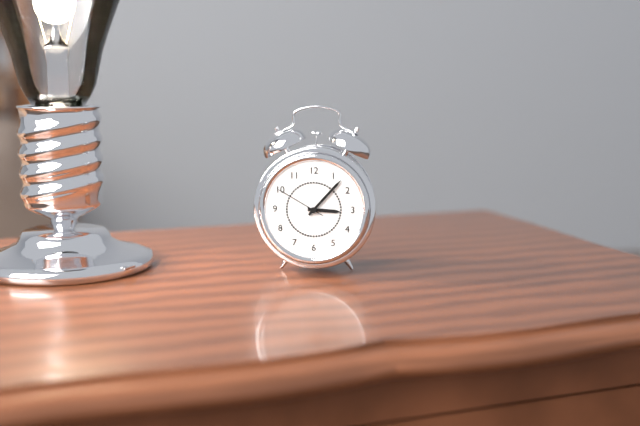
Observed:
{"hour": 3, "minute": 7, "second": 50}
